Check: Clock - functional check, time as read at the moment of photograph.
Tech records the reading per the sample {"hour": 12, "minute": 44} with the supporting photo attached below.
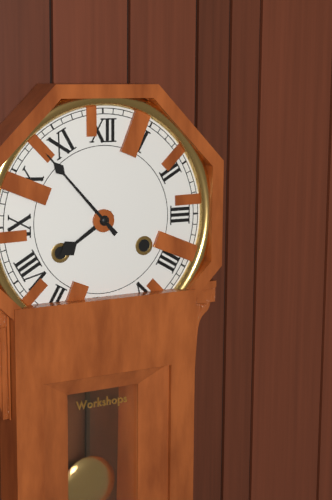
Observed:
{"hour": 7, "minute": 53}
